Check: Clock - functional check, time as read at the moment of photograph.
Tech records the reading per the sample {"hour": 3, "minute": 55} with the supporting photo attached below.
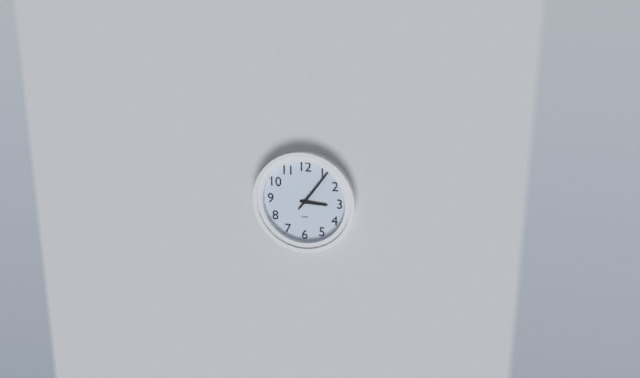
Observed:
{"hour": 3, "minute": 6}
